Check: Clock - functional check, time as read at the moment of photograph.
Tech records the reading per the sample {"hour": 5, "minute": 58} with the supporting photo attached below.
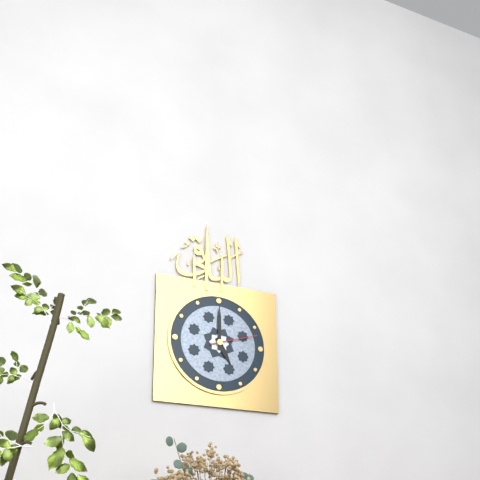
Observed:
{"hour": 5, "minute": 0}
